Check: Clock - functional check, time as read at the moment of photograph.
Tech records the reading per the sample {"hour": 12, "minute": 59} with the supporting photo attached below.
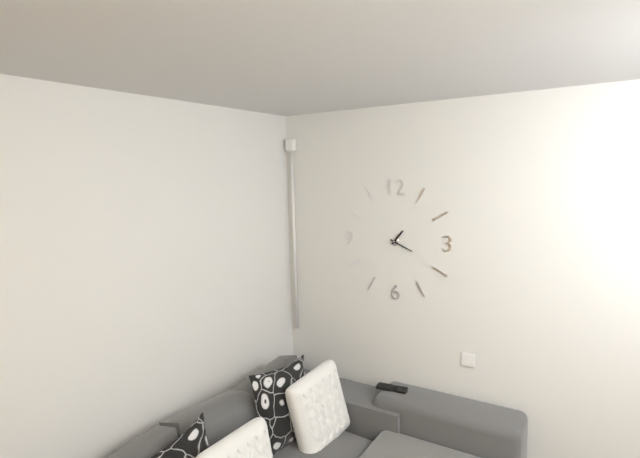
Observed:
{"hour": 1, "minute": 19}
